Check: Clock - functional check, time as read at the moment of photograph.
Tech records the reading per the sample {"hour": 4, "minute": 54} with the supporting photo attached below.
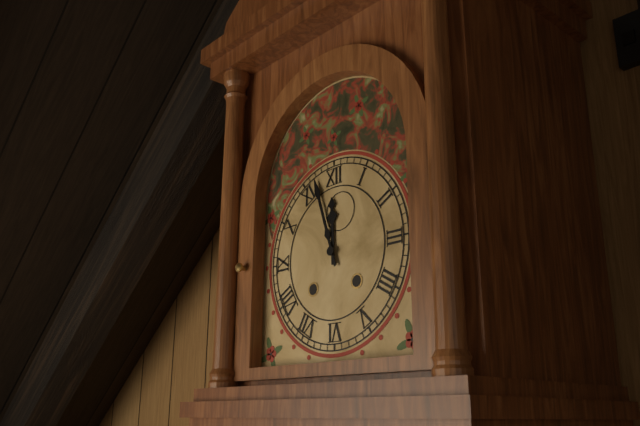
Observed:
{"hour": 11, "minute": 57}
